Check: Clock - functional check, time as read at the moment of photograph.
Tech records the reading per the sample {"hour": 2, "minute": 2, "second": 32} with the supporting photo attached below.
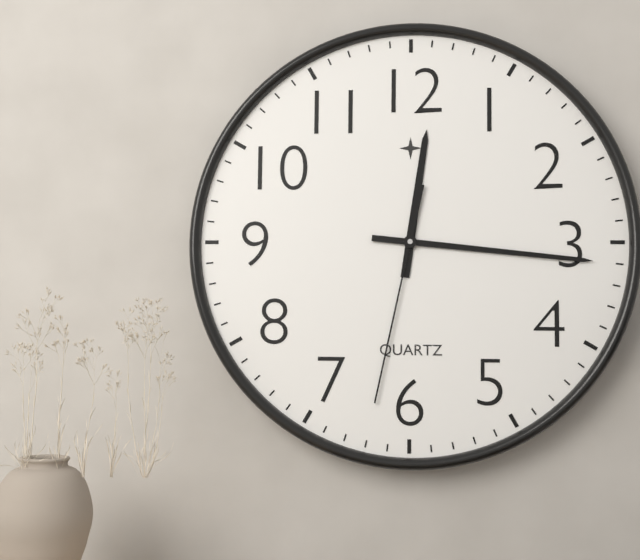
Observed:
{"hour": 12, "minute": 16, "second": 32}
